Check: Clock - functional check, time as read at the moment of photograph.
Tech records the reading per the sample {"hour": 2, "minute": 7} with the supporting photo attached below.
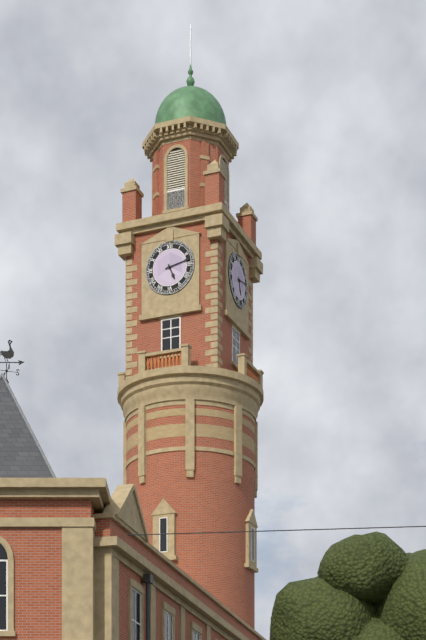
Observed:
{"hour": 5, "minute": 13}
